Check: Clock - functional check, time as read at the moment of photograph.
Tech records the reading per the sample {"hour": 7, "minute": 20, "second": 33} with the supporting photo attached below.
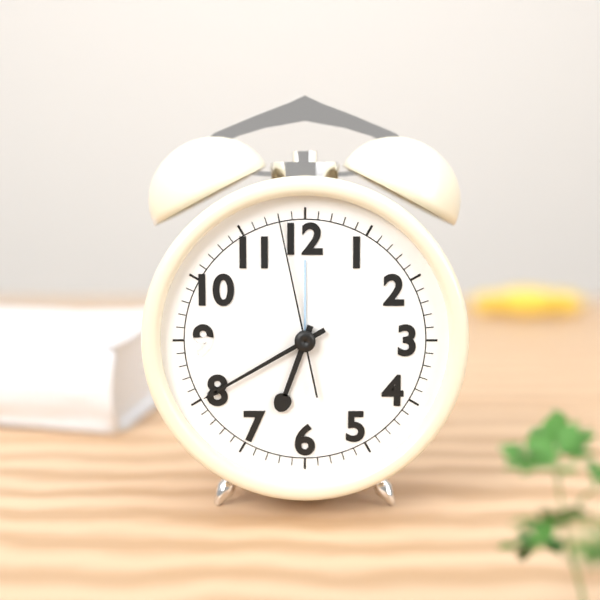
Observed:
{"hour": 6, "minute": 40, "second": 58}
